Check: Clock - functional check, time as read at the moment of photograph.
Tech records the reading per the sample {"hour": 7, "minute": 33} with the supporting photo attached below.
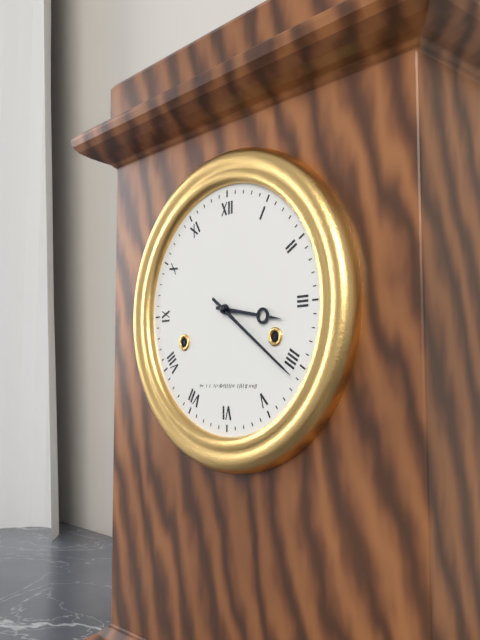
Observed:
{"hour": 3, "minute": 21}
